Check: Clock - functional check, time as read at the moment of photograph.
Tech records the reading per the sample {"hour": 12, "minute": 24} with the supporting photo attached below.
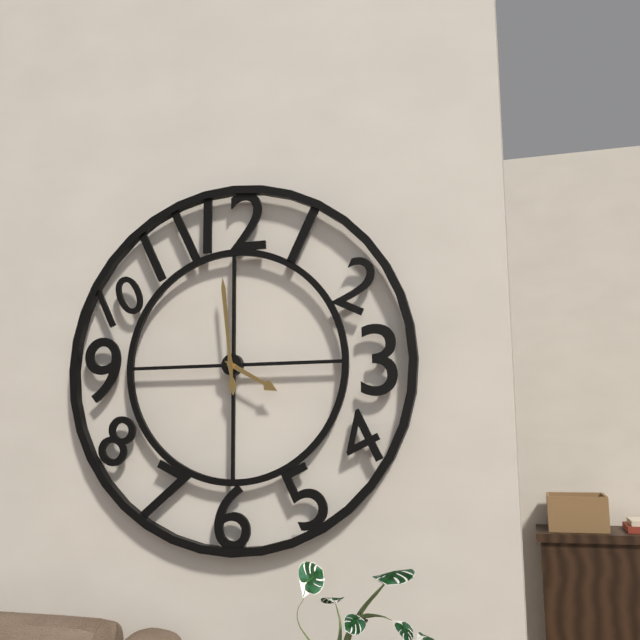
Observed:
{"hour": 3, "minute": 59}
